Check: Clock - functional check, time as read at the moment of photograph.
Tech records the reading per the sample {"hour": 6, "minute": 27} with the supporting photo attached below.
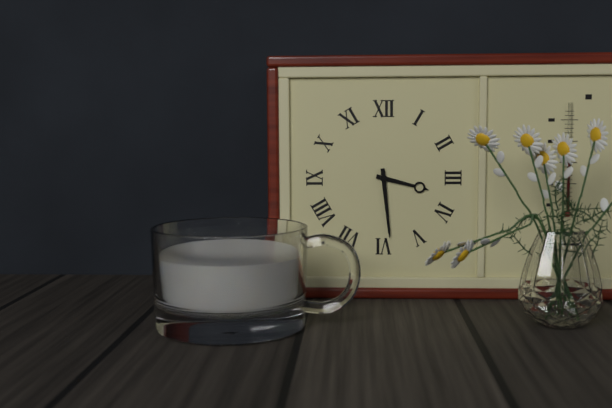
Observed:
{"hour": 3, "minute": 29}
